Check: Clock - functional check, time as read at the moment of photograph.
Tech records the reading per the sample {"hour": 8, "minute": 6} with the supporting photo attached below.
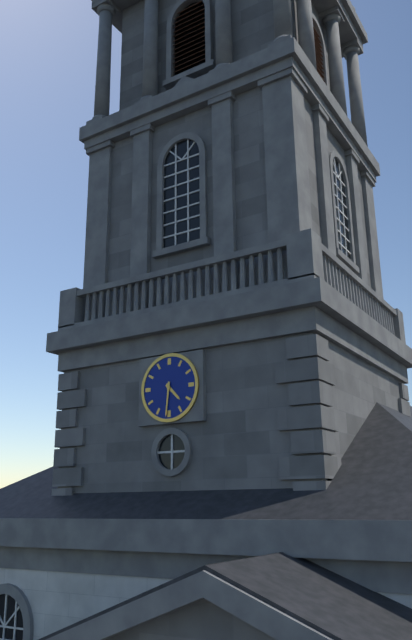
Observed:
{"hour": 4, "minute": 31}
